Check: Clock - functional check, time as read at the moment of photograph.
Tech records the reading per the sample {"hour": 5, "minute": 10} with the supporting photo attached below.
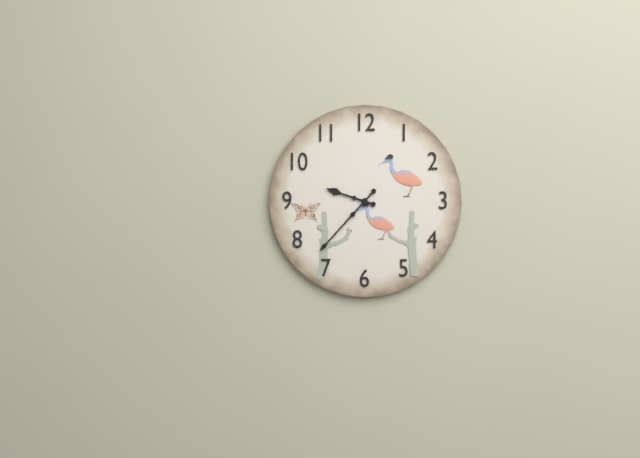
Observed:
{"hour": 9, "minute": 37}
